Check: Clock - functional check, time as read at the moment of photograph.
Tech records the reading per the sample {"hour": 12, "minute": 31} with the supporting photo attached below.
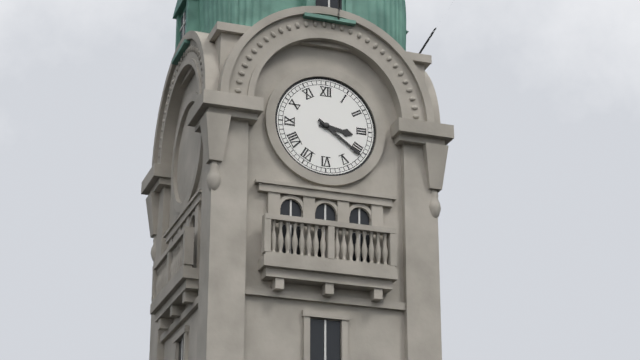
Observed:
{"hour": 3, "minute": 21}
